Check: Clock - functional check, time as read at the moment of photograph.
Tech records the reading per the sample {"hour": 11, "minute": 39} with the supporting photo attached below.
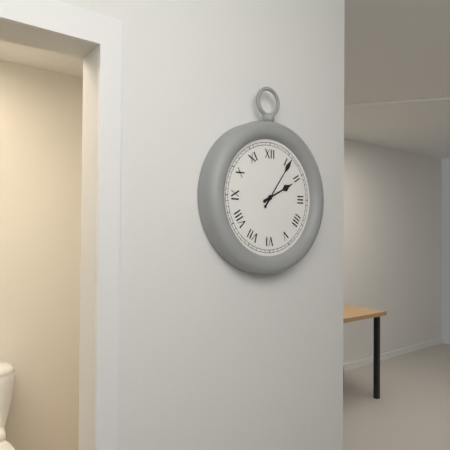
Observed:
{"hour": 2, "minute": 6}
